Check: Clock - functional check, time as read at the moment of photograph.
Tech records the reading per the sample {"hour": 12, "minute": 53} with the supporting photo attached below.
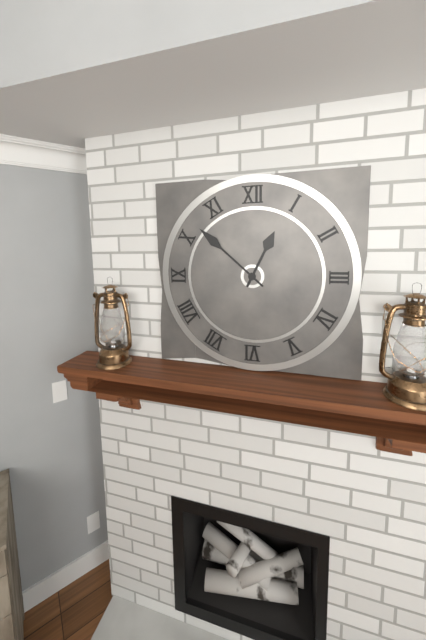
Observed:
{"hour": 12, "minute": 52}
